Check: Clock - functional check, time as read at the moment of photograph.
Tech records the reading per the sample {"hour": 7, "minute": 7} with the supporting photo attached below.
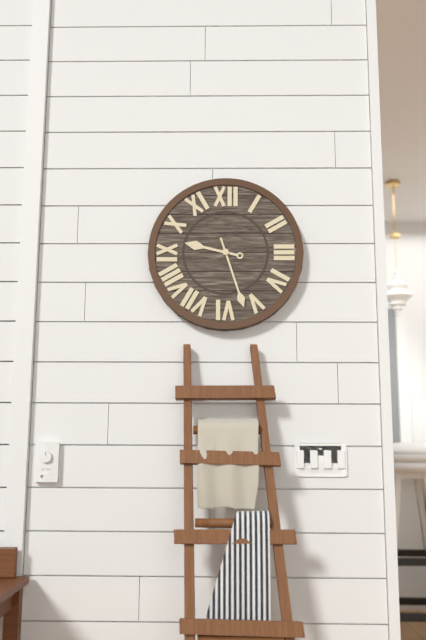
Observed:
{"hour": 9, "minute": 27}
